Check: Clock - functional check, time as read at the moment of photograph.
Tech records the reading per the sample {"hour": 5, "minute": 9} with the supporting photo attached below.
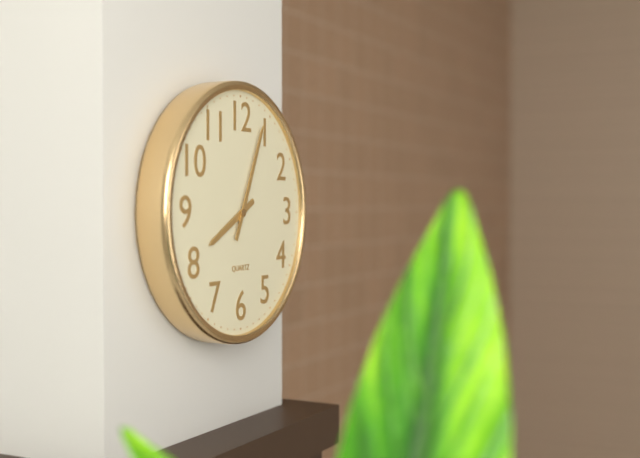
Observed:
{"hour": 8, "minute": 4}
